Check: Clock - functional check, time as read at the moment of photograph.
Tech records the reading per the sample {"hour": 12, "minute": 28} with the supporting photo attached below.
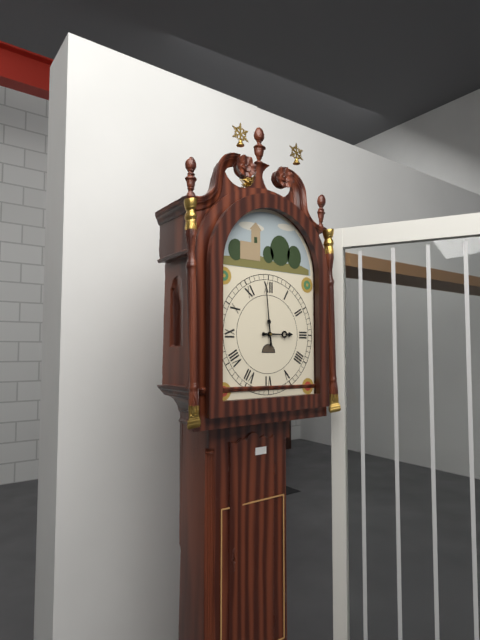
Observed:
{"hour": 2, "minute": 59}
